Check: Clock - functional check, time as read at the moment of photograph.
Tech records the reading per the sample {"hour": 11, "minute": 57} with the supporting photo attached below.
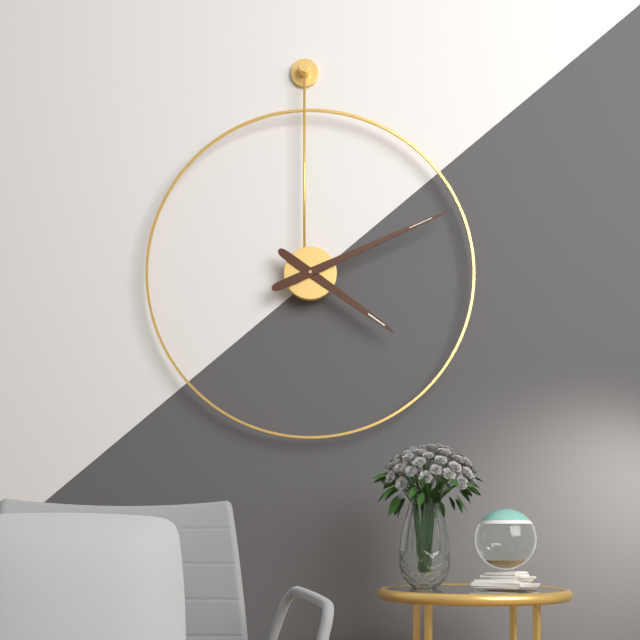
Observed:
{"hour": 4, "minute": 11}
